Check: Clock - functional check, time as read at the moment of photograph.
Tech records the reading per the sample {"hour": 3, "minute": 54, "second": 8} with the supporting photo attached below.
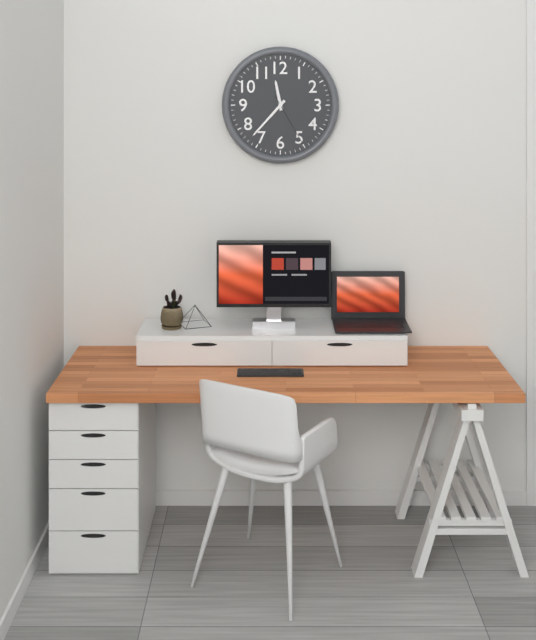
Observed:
{"hour": 11, "minute": 37, "second": 25}
